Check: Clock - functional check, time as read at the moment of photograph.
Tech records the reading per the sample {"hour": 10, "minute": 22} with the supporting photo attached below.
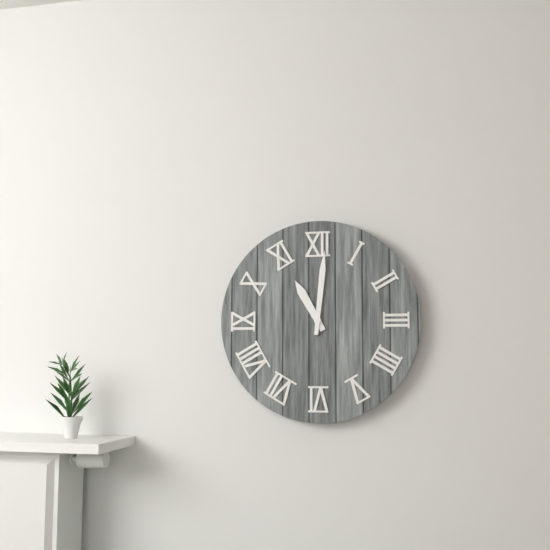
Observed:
{"hour": 11, "minute": 1}
